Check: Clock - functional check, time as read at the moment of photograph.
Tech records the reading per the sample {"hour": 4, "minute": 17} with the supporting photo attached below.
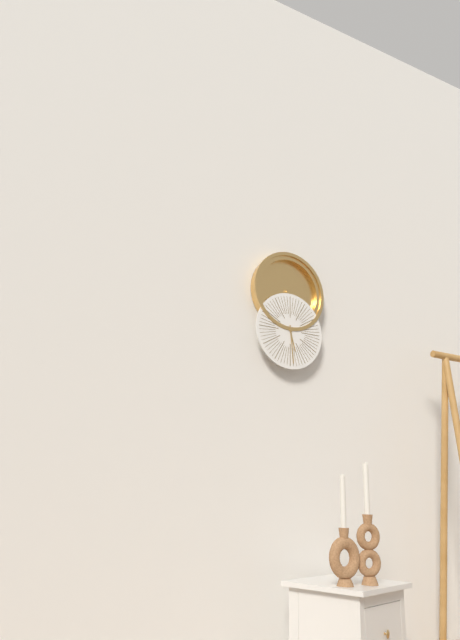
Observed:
{"hour": 5, "minute": 29}
